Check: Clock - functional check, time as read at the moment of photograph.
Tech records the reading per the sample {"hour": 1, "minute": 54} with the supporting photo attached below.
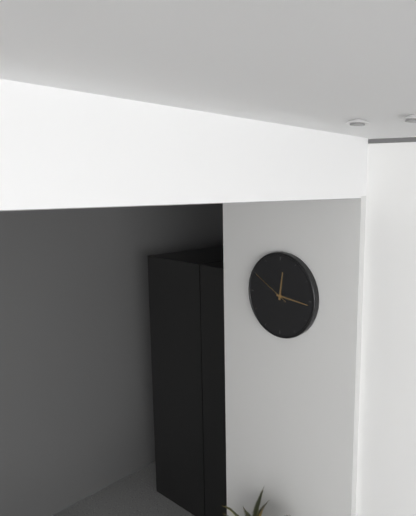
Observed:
{"hour": 12, "minute": 16}
